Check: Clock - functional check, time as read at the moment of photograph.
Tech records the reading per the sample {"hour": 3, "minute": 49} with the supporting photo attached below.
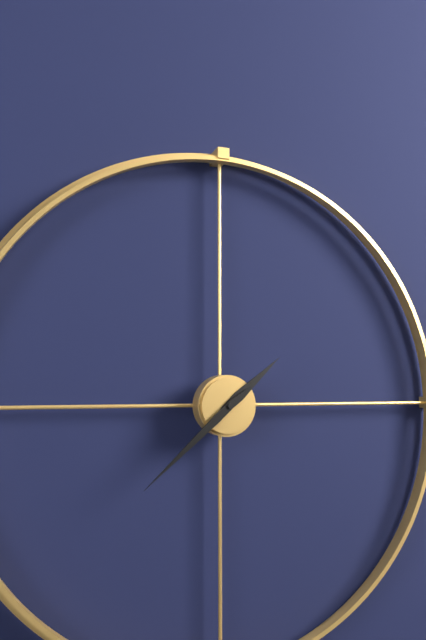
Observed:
{"hour": 1, "minute": 38}
